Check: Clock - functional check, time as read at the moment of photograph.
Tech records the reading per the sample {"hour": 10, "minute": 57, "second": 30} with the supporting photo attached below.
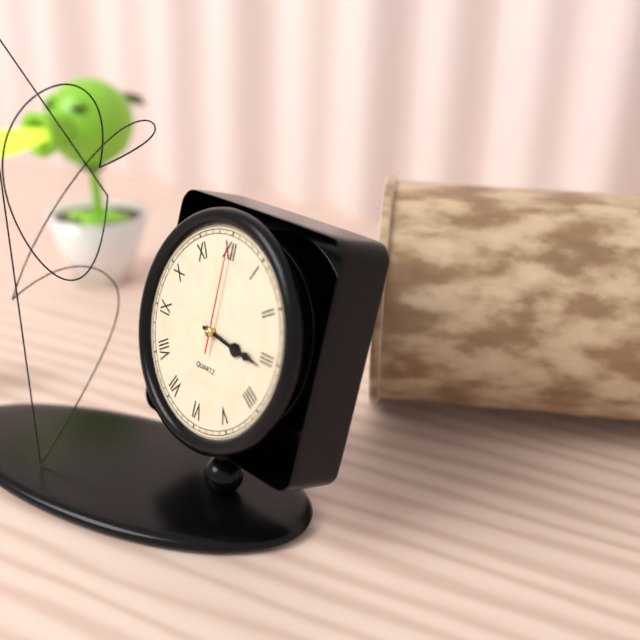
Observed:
{"hour": 3, "minute": 16, "second": 0}
